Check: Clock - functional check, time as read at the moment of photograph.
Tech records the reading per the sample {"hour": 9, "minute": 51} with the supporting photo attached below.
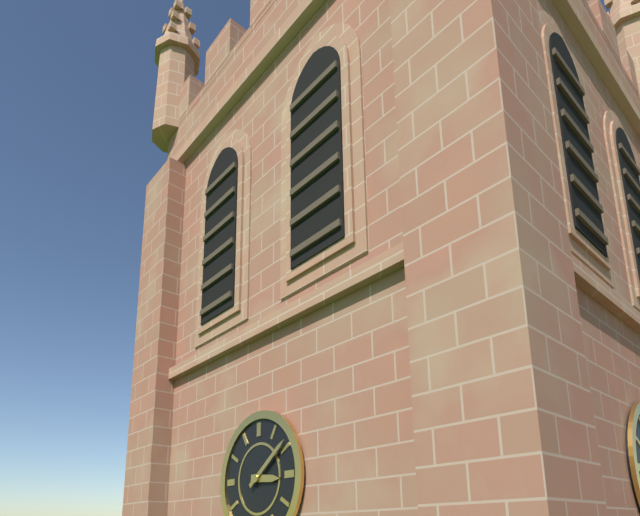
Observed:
{"hour": 3, "minute": 9}
